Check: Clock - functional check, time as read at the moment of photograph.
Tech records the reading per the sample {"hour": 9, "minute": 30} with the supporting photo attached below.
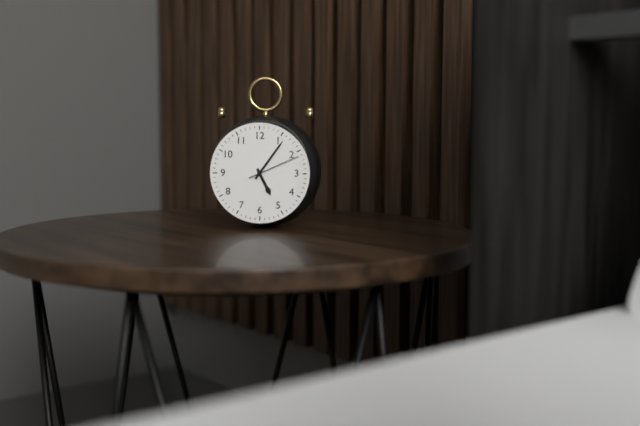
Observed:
{"hour": 5, "minute": 6}
